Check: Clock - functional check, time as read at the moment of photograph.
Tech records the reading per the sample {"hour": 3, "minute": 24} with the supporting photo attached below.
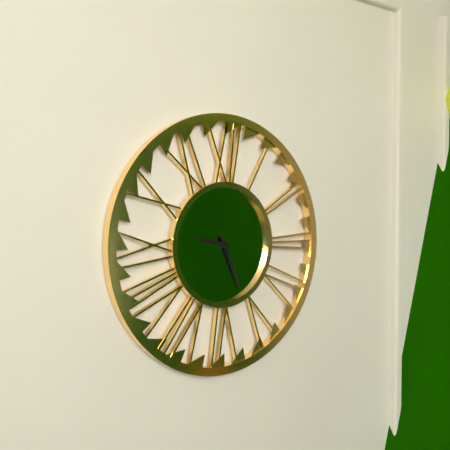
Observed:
{"hour": 9, "minute": 26}
